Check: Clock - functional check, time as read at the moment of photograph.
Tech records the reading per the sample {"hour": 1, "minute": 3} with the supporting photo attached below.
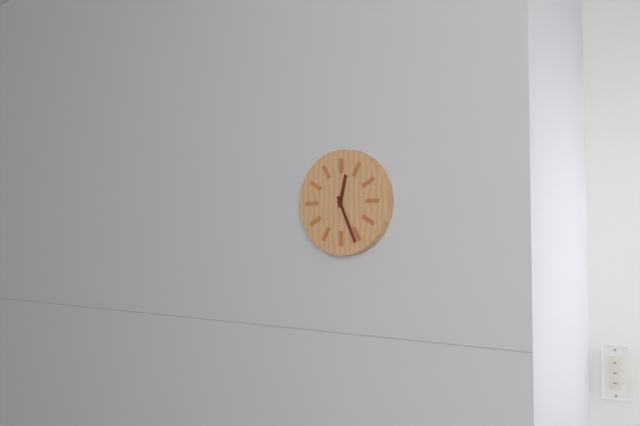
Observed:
{"hour": 12, "minute": 26}
